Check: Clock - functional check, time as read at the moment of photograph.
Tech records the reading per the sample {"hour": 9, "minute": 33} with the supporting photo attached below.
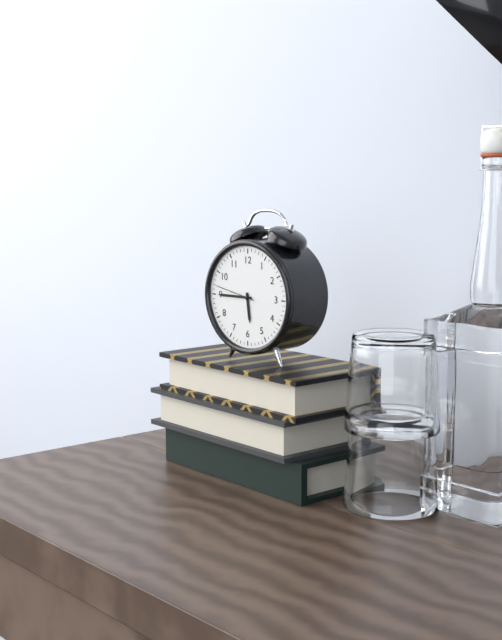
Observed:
{"hour": 5, "minute": 45}
